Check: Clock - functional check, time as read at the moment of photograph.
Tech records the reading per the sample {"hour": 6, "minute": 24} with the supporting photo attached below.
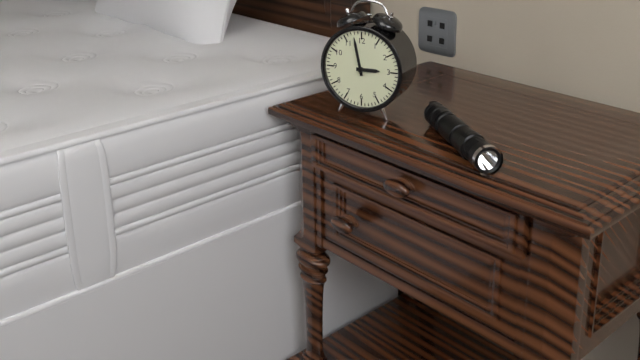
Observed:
{"hour": 2, "minute": 58}
